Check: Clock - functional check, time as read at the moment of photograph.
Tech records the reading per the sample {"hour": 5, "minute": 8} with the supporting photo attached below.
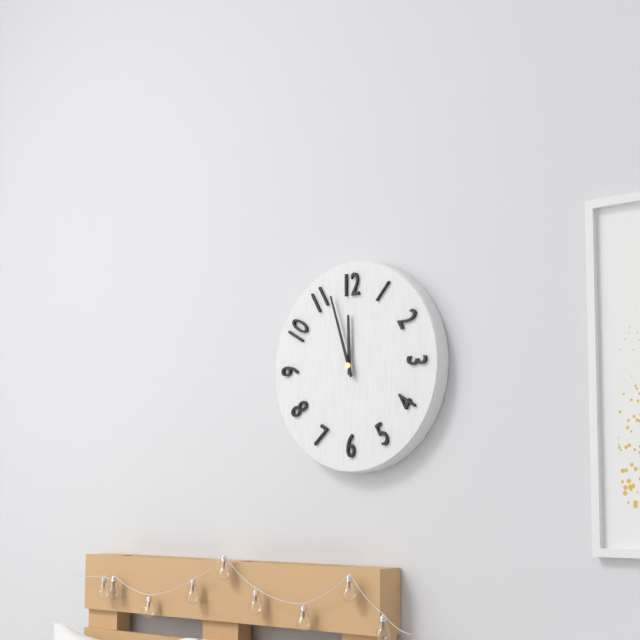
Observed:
{"hour": 11, "minute": 57}
